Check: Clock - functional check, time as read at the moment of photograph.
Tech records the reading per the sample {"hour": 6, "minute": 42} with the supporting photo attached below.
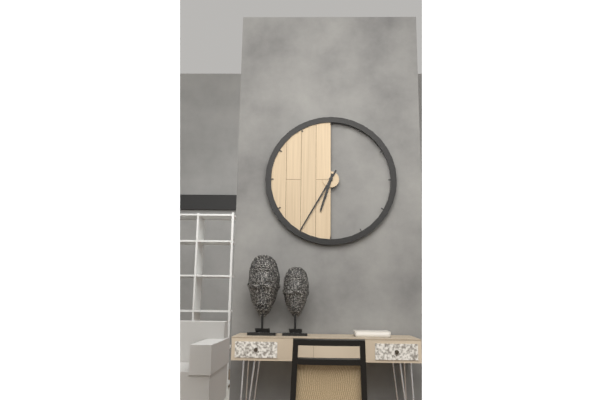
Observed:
{"hour": 6, "minute": 35}
